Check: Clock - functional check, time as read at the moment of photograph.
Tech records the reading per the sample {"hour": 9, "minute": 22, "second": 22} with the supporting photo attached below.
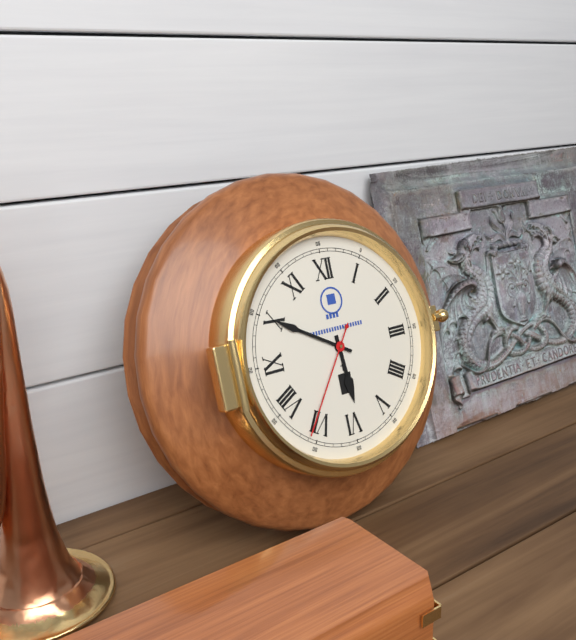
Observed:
{"hour": 5, "minute": 50, "second": 36}
